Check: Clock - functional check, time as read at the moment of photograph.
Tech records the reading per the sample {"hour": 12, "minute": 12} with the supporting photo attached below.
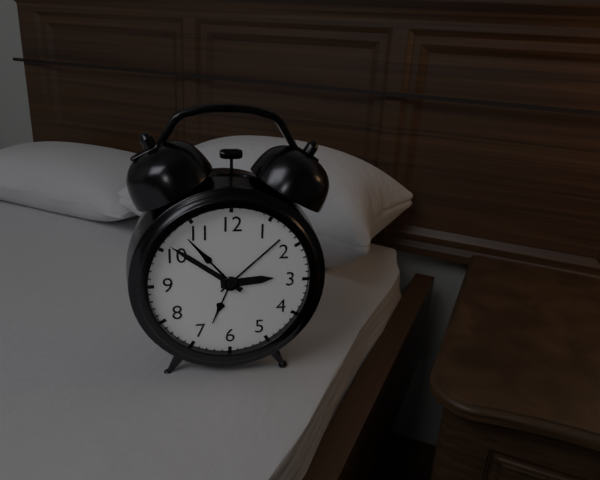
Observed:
{"hour": 2, "minute": 51}
